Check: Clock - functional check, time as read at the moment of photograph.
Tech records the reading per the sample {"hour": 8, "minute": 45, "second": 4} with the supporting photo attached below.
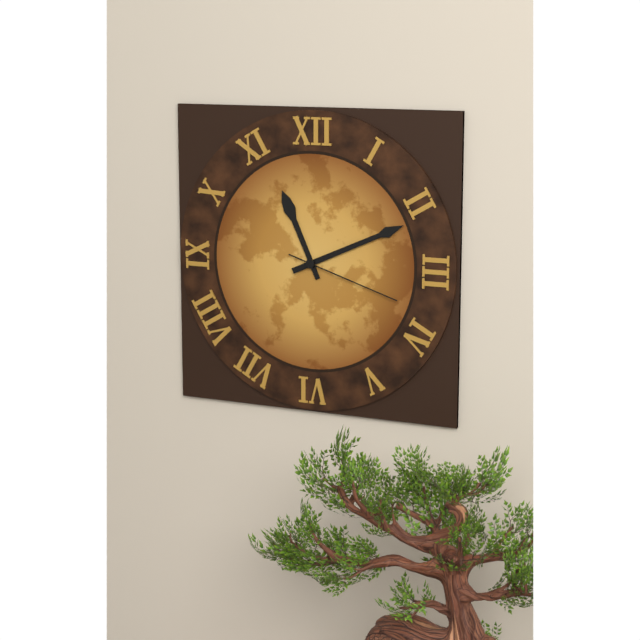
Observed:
{"hour": 11, "minute": 11, "second": 18}
